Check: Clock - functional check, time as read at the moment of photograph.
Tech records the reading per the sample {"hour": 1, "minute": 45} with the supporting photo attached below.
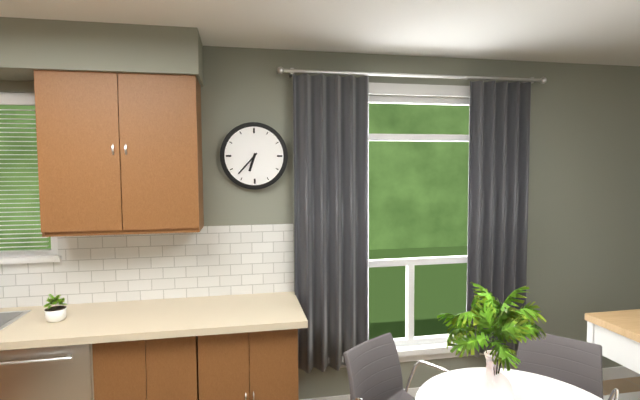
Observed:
{"hour": 6, "minute": 37}
